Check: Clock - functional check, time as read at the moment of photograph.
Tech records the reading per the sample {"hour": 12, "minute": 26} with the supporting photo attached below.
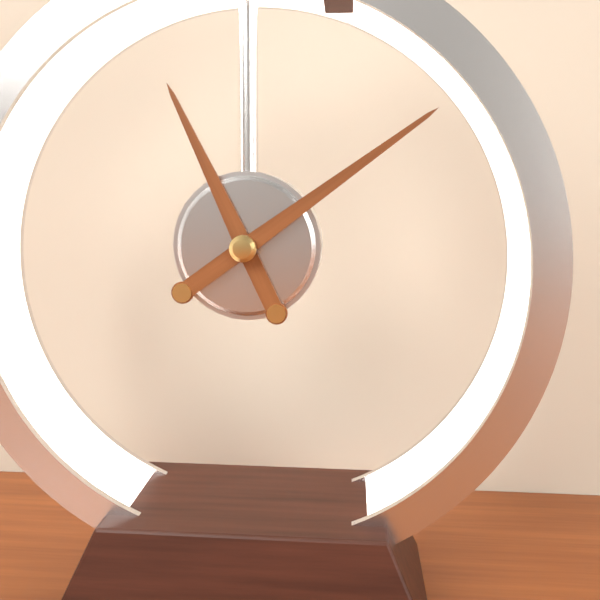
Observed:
{"hour": 11, "minute": 9}
